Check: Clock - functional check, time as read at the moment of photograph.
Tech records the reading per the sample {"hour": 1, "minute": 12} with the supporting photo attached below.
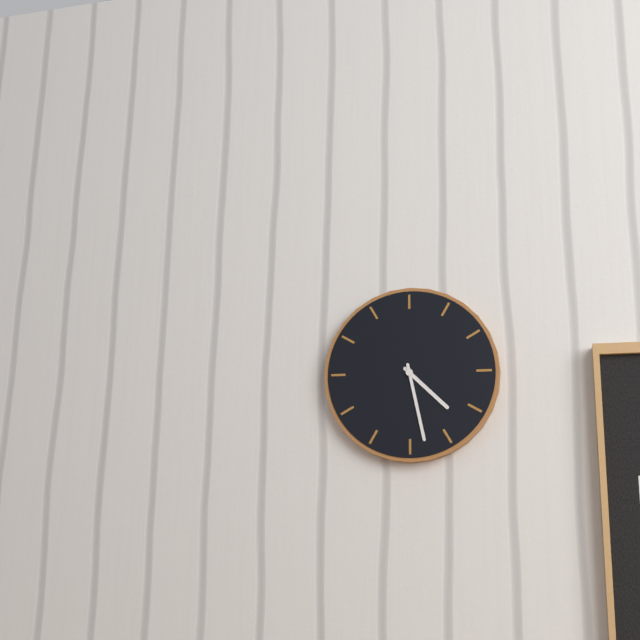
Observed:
{"hour": 4, "minute": 28}
